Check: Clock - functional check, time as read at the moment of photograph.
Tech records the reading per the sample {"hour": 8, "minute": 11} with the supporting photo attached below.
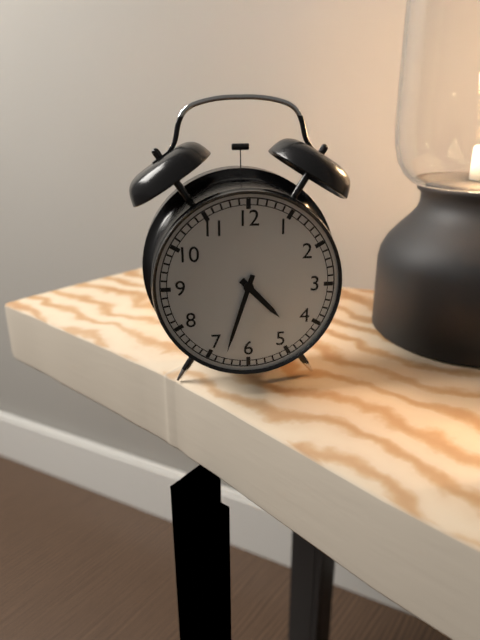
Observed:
{"hour": 4, "minute": 33}
